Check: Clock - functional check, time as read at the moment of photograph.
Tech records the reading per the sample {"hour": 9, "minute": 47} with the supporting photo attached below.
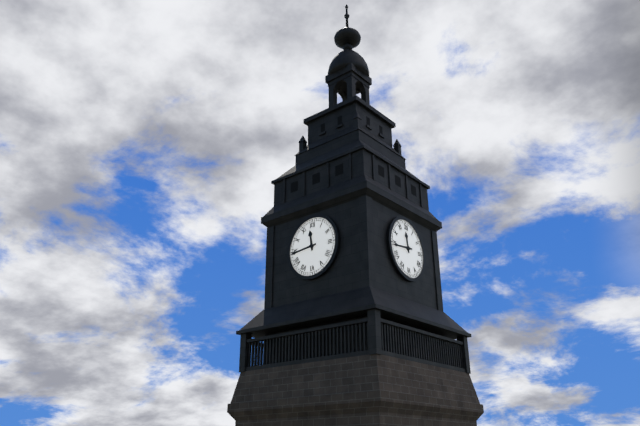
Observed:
{"hour": 11, "minute": 44}
